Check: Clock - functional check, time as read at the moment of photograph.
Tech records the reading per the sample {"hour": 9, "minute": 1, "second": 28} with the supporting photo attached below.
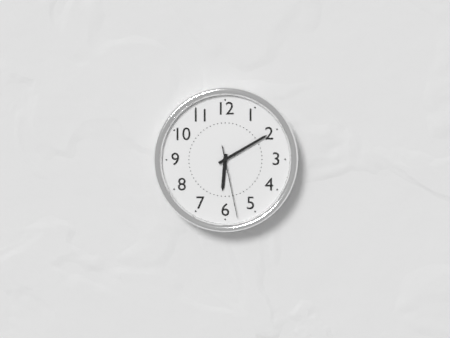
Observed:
{"hour": 6, "minute": 10, "second": 28}
